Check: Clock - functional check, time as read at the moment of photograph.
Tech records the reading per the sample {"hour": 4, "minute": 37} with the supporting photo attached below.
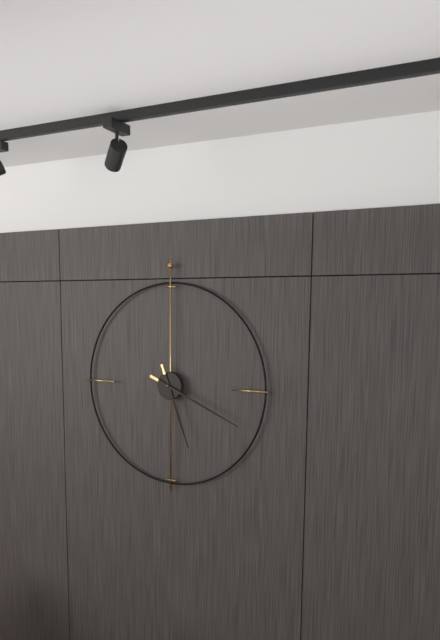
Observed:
{"hour": 5, "minute": 19}
